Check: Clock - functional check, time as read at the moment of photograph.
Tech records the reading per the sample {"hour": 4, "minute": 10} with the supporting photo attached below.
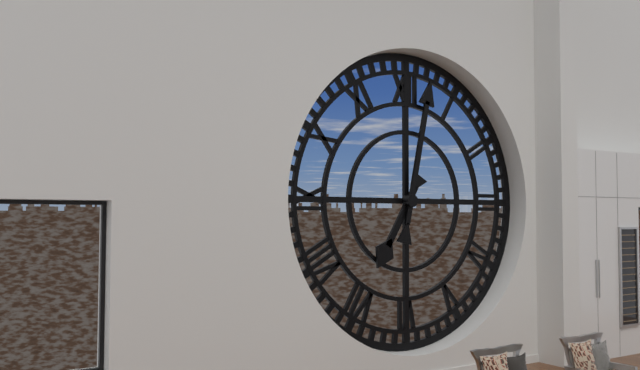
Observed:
{"hour": 7, "minute": 2}
